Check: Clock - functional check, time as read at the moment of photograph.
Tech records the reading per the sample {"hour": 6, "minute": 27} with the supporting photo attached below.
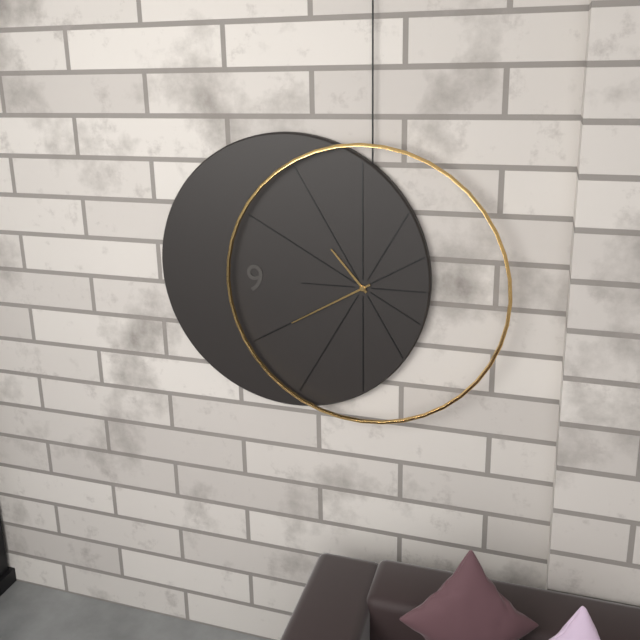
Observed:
{"hour": 10, "minute": 40}
